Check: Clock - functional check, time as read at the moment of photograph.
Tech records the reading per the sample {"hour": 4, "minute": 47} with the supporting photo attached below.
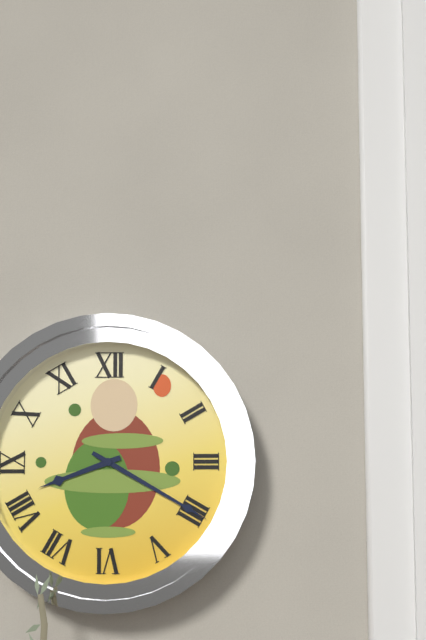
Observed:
{"hour": 8, "minute": 20}
